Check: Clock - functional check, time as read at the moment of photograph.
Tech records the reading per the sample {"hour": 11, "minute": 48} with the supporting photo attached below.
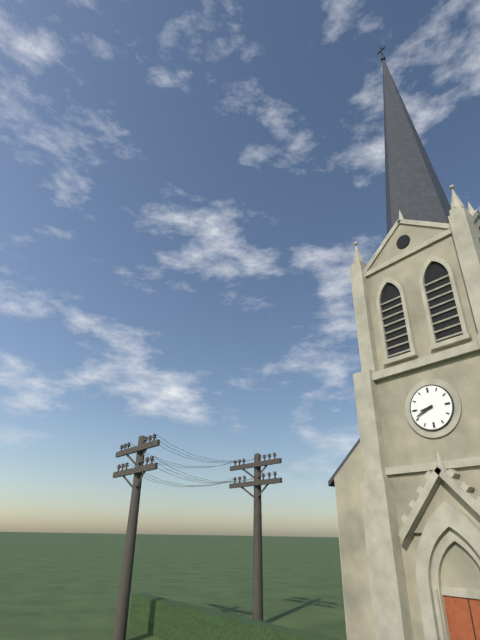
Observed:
{"hour": 8, "minute": 41}
